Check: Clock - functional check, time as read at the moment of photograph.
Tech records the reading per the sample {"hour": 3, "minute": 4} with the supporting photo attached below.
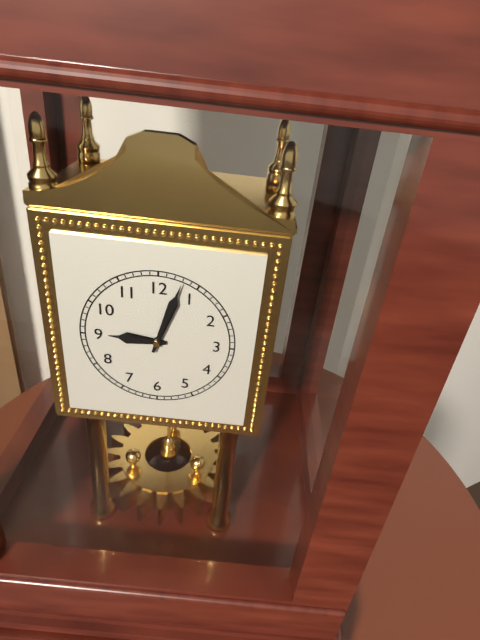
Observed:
{"hour": 9, "minute": 3}
